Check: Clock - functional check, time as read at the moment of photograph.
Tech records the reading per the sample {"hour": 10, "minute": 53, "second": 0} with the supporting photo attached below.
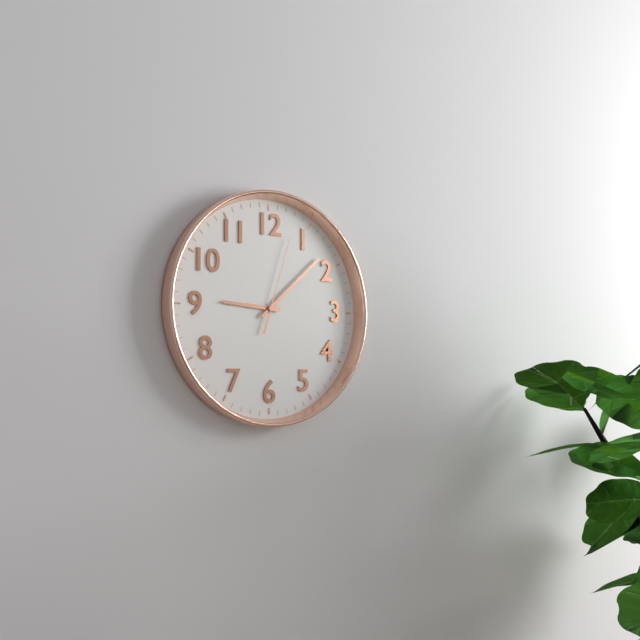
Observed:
{"hour": 9, "minute": 8, "second": 3}
